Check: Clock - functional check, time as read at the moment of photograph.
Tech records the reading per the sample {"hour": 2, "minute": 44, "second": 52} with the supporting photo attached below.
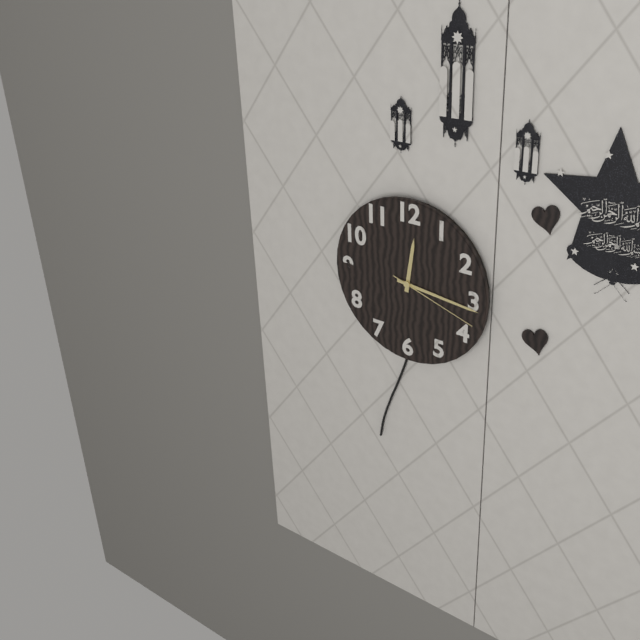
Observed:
{"hour": 12, "minute": 16, "second": 18}
